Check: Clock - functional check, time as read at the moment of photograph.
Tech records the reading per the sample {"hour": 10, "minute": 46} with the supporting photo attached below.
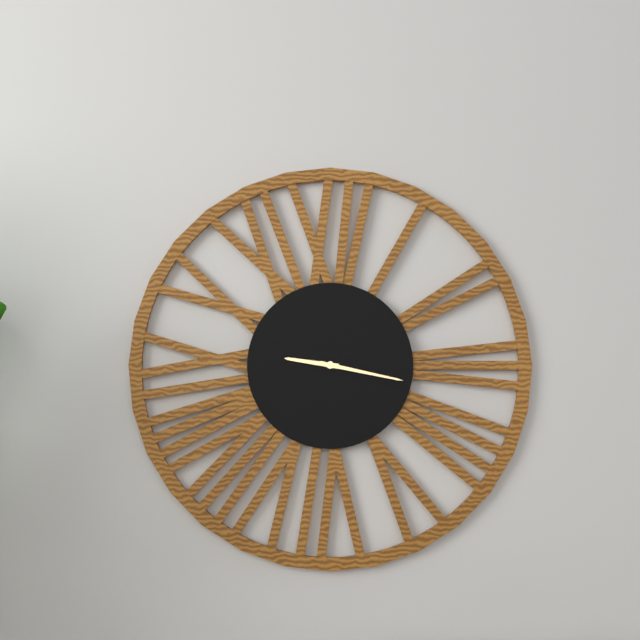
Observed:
{"hour": 9, "minute": 17}
